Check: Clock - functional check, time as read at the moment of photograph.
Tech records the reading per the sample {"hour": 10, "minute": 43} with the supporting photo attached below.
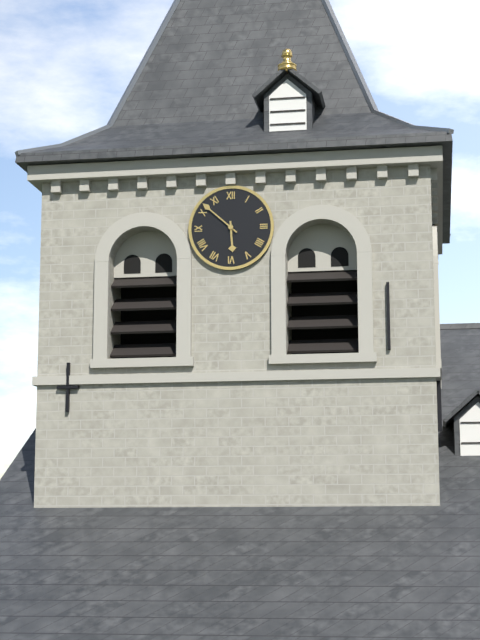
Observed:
{"hour": 5, "minute": 52}
